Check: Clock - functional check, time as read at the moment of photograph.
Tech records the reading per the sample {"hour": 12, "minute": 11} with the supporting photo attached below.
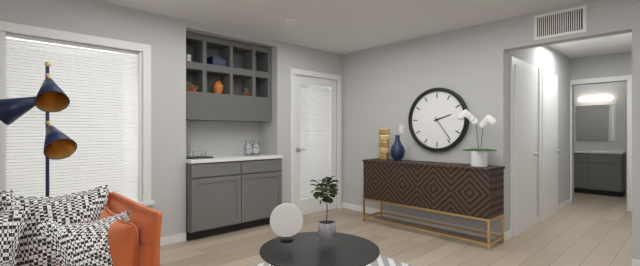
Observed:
{"hour": 2, "minute": 24}
